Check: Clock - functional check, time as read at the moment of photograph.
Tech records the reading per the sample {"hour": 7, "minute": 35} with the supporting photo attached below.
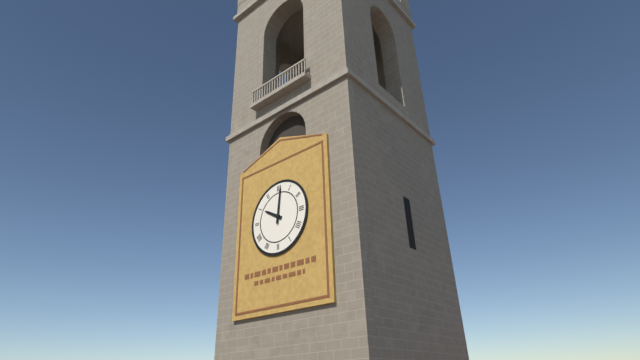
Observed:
{"hour": 10, "minute": 1}
